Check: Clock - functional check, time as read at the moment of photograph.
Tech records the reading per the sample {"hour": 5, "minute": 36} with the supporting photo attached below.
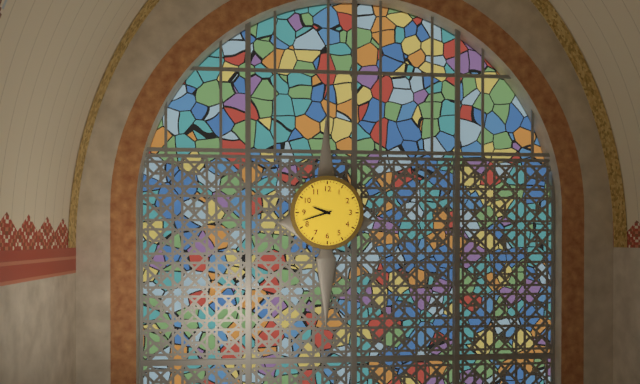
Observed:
{"hour": 9, "minute": 42}
